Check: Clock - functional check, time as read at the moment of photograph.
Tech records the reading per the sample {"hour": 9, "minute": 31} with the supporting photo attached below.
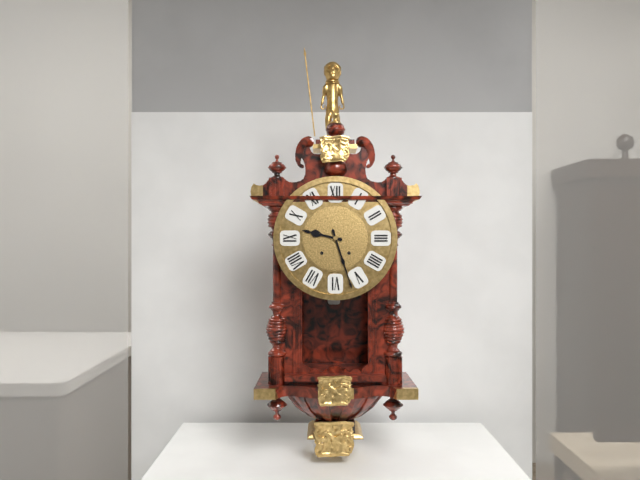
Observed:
{"hour": 9, "minute": 27}
